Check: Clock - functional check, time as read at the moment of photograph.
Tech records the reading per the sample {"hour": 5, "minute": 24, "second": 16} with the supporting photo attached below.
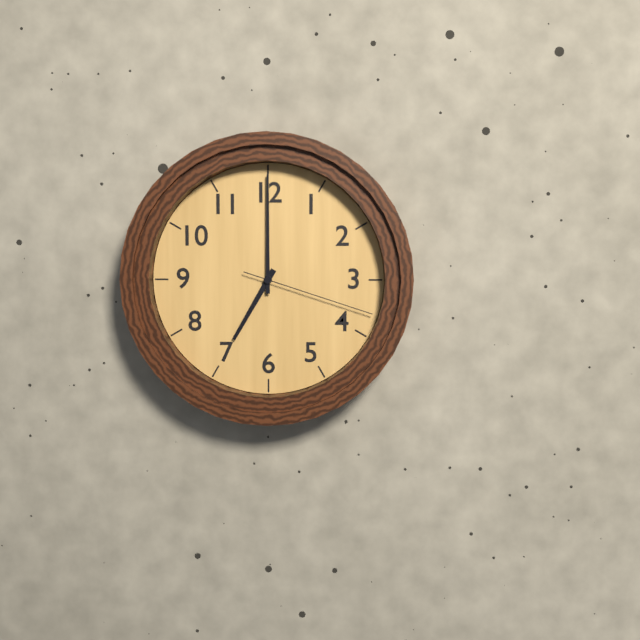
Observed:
{"hour": 7, "minute": 0, "second": 18}
